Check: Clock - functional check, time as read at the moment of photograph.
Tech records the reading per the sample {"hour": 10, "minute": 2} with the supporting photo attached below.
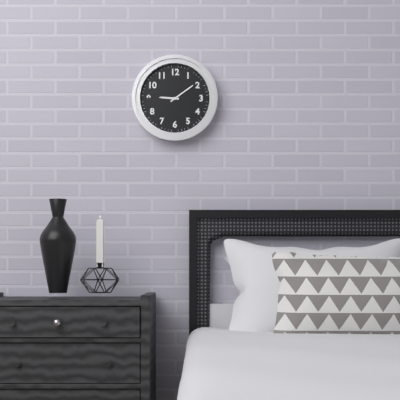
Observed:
{"hour": 9, "minute": 9}
